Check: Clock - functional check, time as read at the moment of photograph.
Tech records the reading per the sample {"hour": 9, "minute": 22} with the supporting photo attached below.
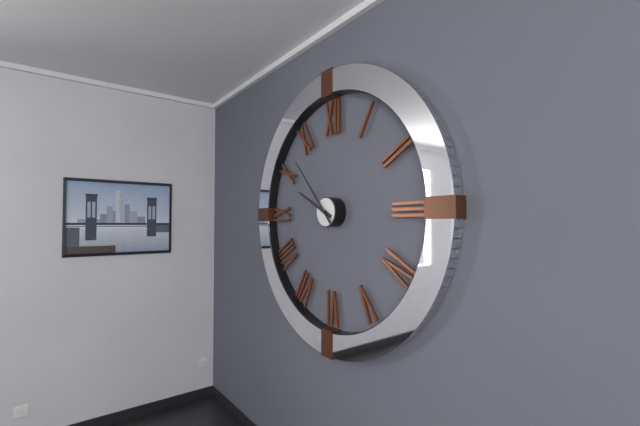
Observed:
{"hour": 9, "minute": 53}
